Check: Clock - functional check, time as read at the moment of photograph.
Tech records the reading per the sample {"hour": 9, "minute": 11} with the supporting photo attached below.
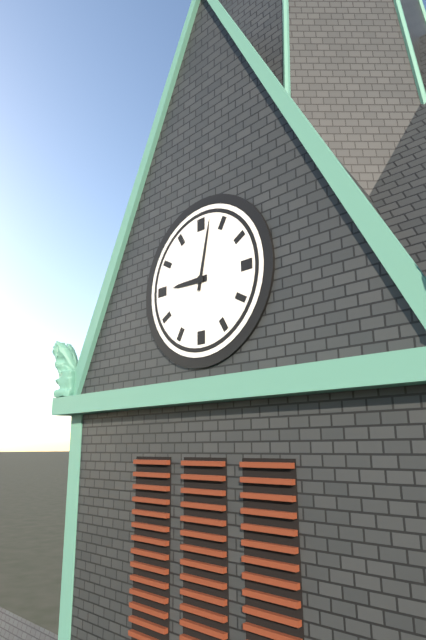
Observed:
{"hour": 9, "minute": 2}
